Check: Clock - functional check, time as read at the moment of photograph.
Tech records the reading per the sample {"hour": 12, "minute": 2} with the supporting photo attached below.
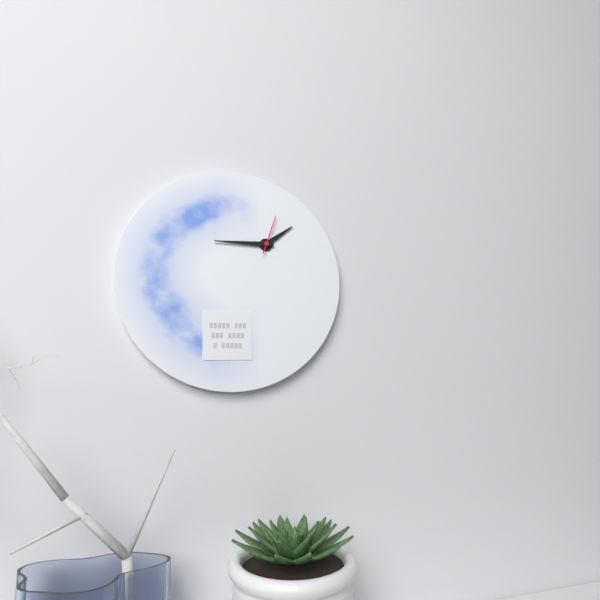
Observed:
{"hour": 1, "minute": 45}
